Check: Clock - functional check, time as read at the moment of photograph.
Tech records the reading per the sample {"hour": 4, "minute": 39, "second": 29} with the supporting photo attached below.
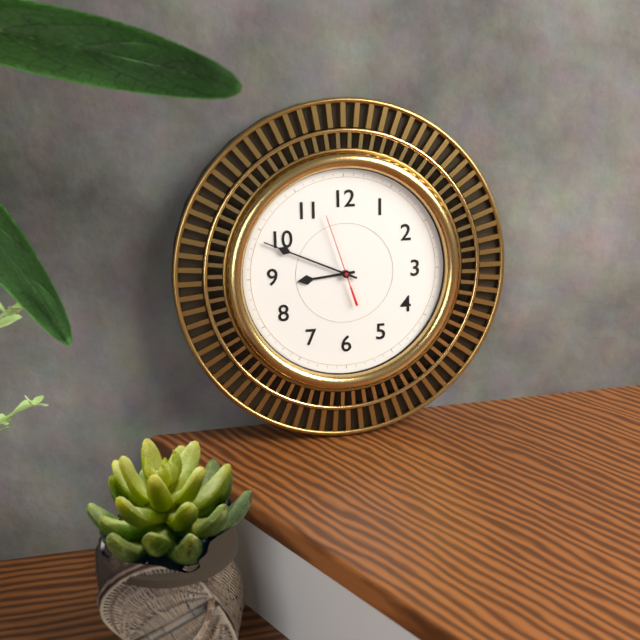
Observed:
{"hour": 8, "minute": 49, "second": 57}
